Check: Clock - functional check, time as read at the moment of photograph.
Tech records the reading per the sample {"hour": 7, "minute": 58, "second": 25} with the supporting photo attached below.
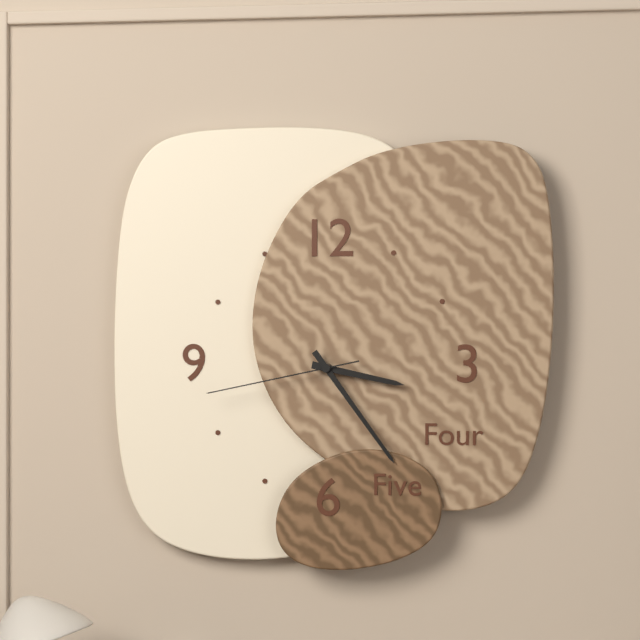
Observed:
{"hour": 3, "minute": 24, "second": 43}
